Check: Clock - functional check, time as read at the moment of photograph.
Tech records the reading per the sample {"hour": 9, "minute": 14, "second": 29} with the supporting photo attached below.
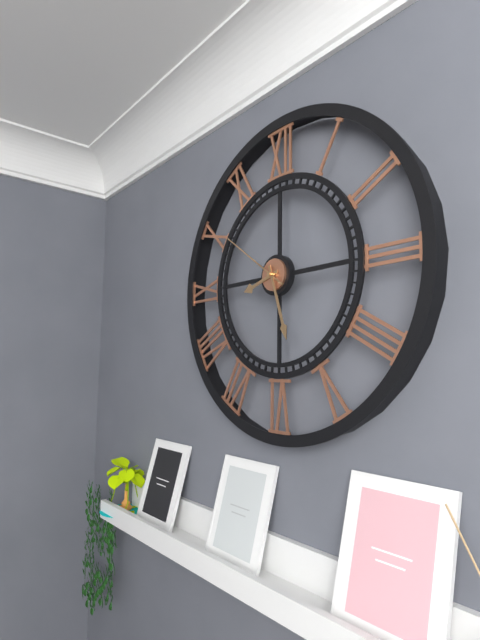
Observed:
{"hour": 8, "minute": 27, "second": 51}
